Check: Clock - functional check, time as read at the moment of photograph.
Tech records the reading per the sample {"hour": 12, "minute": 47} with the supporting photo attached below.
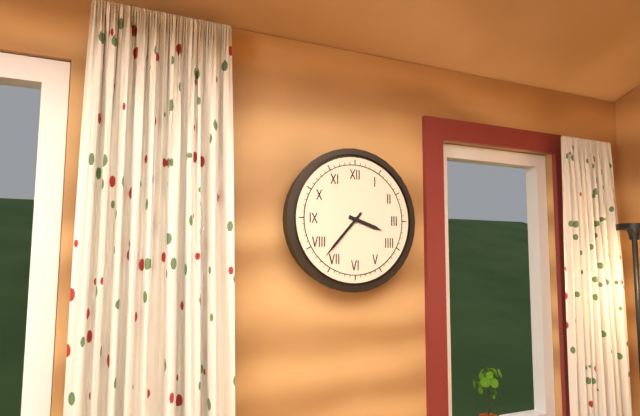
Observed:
{"hour": 3, "minute": 37}
